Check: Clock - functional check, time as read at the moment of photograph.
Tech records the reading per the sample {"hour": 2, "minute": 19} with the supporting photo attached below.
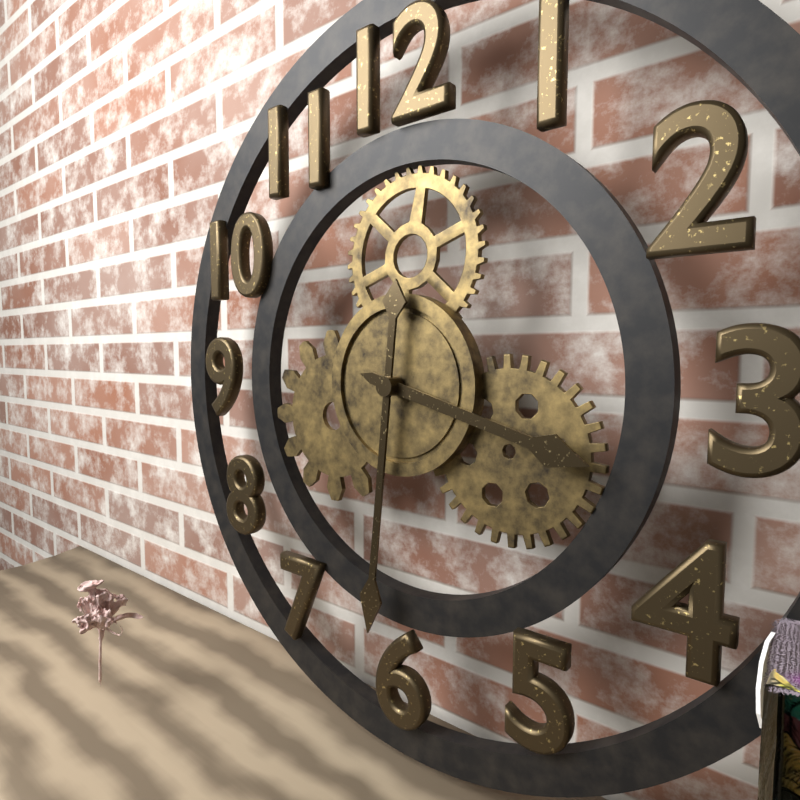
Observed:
{"hour": 3, "minute": 31}
